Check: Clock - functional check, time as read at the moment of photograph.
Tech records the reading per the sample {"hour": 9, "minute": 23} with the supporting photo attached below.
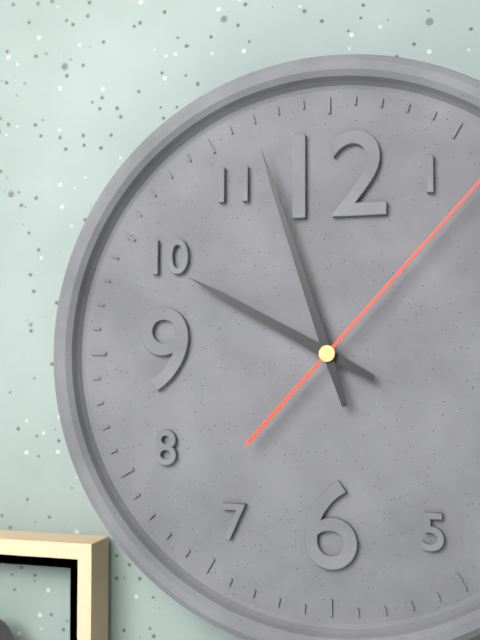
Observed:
{"hour": 9, "minute": 57}
